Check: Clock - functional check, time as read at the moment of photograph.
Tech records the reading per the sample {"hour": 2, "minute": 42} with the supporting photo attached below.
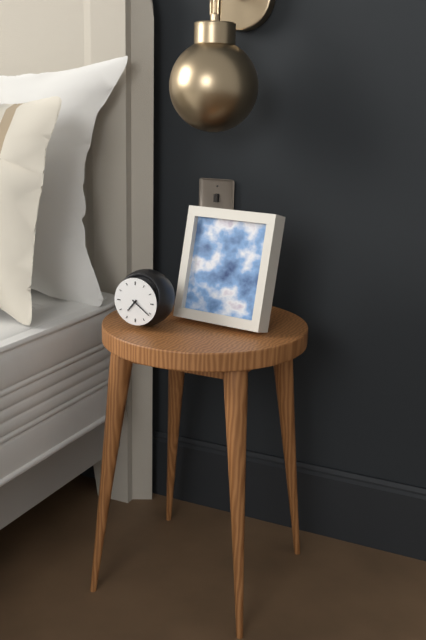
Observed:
{"hour": 7, "minute": 21}
